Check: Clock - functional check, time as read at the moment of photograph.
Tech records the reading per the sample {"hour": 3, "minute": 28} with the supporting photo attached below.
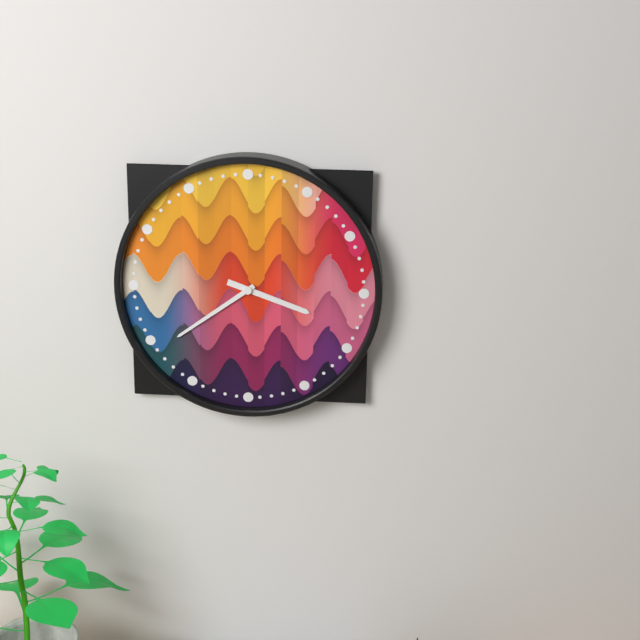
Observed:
{"hour": 3, "minute": 39}
